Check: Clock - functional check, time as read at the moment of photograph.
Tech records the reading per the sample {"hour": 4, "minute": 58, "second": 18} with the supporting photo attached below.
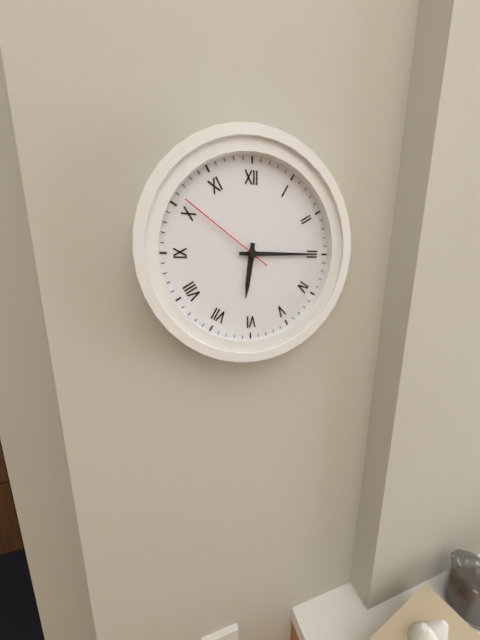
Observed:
{"hour": 6, "minute": 15, "second": 51}
